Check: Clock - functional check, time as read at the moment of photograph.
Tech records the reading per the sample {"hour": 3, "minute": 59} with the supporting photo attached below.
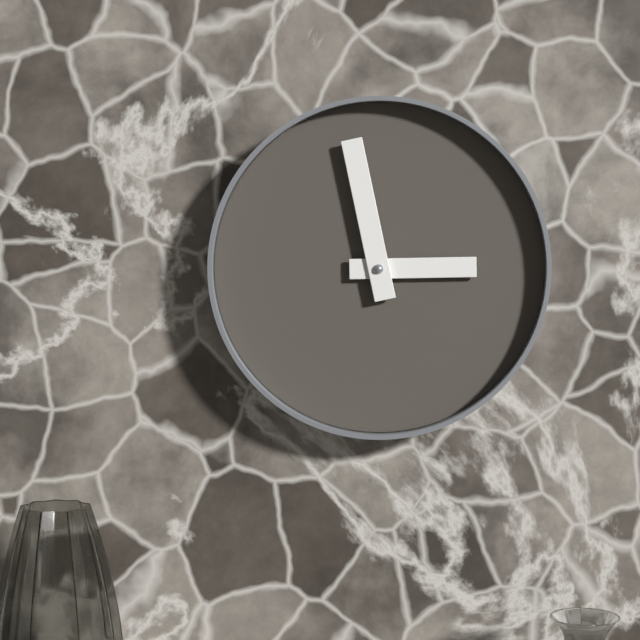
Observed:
{"hour": 2, "minute": 58}
